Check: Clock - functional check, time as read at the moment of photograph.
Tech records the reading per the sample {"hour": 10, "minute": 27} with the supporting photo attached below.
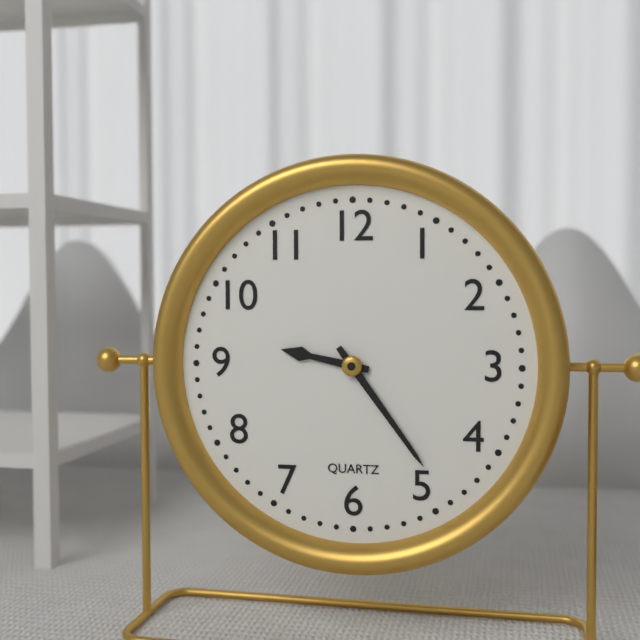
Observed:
{"hour": 9, "minute": 24}
